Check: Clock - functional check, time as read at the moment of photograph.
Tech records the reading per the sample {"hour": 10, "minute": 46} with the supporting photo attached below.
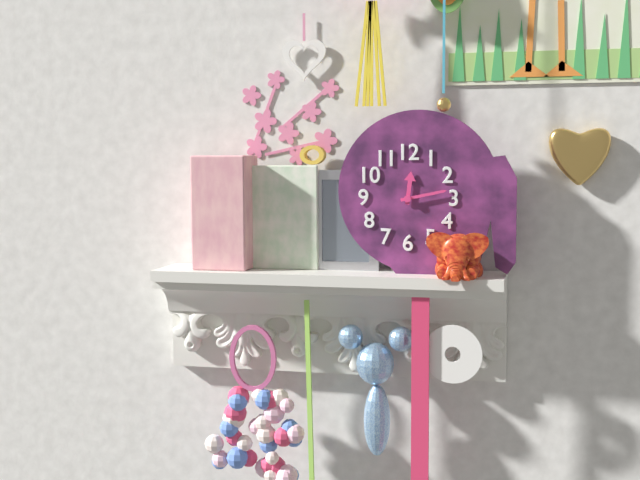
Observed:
{"hour": 12, "minute": 13}
